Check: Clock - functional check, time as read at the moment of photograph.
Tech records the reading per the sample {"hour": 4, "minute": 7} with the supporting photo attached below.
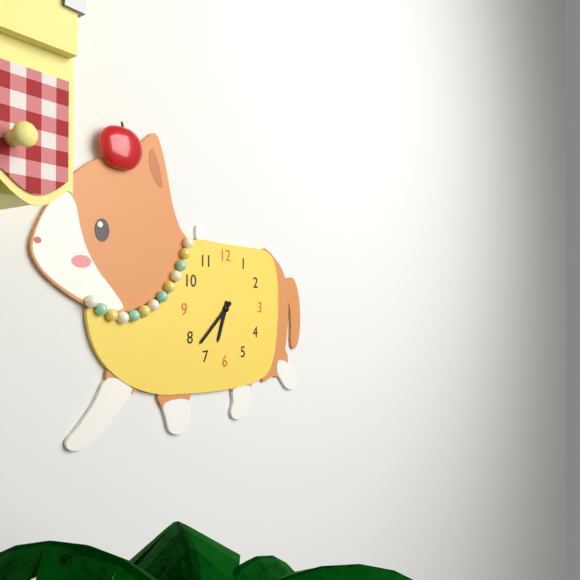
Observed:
{"hour": 6, "minute": 38}
